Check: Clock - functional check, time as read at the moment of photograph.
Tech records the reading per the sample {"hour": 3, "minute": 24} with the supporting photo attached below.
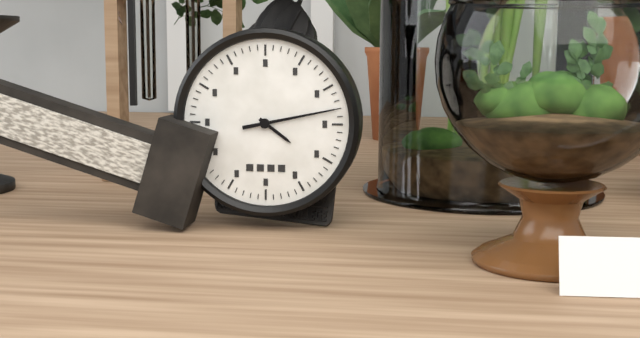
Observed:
{"hour": 4, "minute": 13}
